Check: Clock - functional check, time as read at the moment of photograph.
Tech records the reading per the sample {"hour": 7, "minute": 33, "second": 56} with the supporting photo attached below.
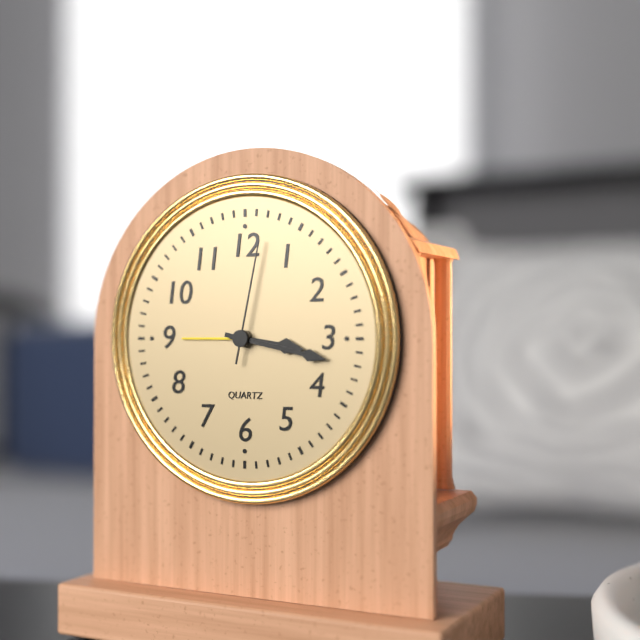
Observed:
{"hour": 3, "minute": 17, "second": 2}
